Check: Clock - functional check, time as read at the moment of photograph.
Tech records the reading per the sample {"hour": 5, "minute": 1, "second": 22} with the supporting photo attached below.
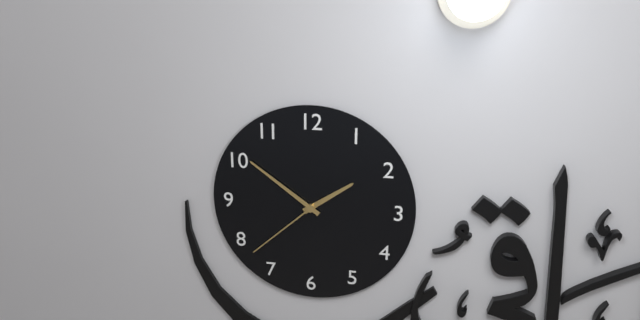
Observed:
{"hour": 1, "minute": 51, "second": 38}
